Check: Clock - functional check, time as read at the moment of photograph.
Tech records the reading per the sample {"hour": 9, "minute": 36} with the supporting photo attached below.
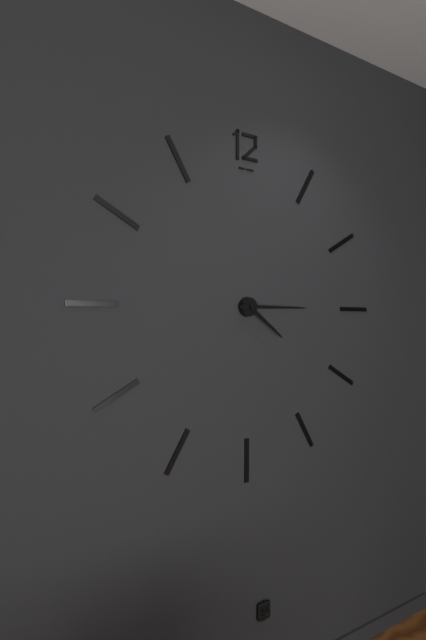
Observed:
{"hour": 4, "minute": 15}
